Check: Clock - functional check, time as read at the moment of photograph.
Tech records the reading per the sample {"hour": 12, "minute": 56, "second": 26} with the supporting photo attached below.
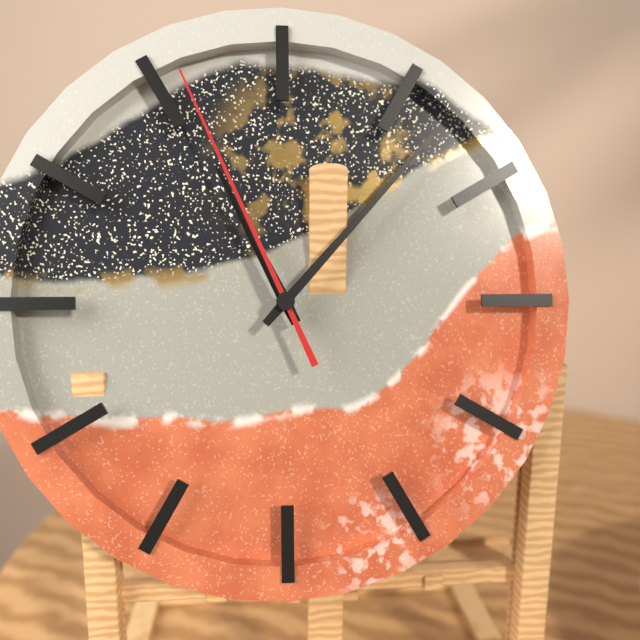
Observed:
{"hour": 11, "minute": 7, "second": 56}
